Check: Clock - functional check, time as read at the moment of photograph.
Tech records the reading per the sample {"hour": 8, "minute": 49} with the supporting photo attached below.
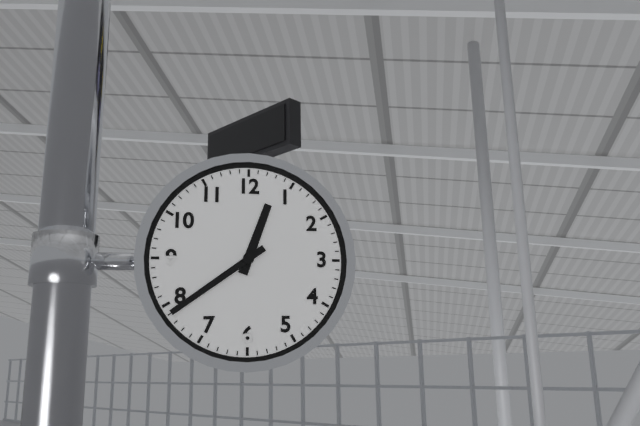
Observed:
{"hour": 12, "minute": 39}
